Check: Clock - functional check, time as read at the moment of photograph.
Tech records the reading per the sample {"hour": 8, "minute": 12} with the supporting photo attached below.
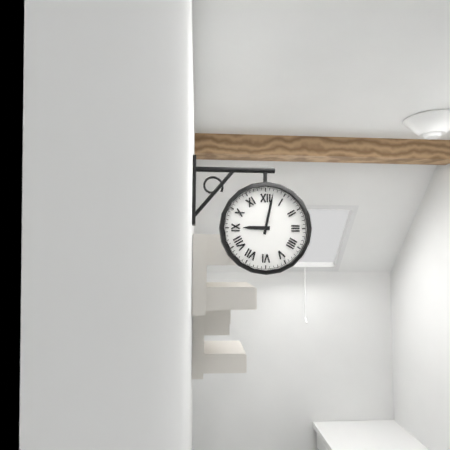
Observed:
{"hour": 9, "minute": 2}
